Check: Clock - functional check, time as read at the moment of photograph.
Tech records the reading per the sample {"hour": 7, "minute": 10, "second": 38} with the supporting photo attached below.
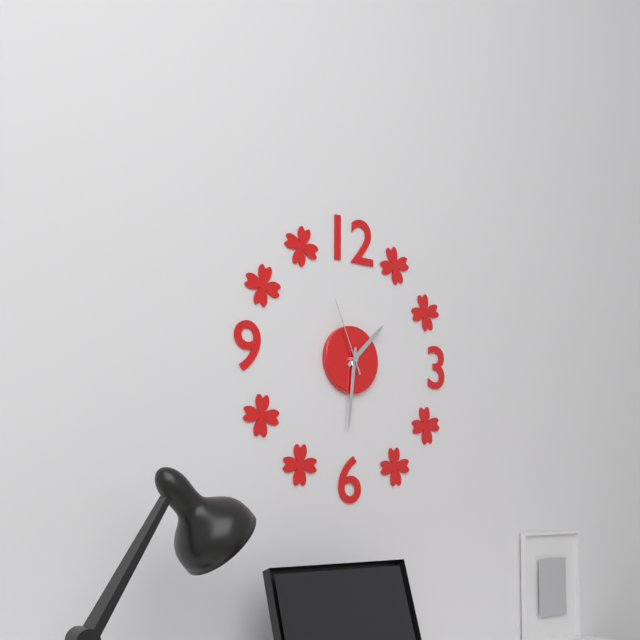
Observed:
{"hour": 1, "minute": 31, "second": 56}
